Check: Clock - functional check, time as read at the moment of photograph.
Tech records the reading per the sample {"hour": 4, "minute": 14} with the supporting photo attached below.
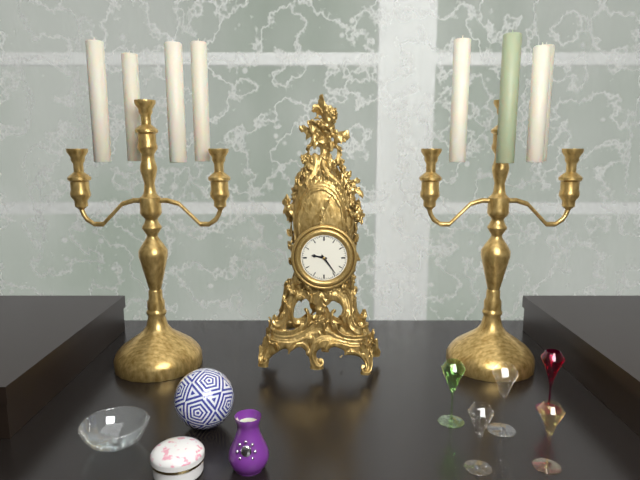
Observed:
{"hour": 9, "minute": 24}
